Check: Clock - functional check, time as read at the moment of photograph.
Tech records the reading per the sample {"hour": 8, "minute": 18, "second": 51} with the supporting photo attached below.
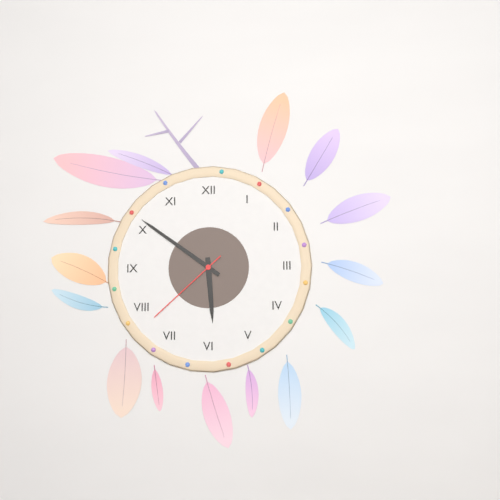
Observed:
{"hour": 5, "minute": 51, "second": 38}
